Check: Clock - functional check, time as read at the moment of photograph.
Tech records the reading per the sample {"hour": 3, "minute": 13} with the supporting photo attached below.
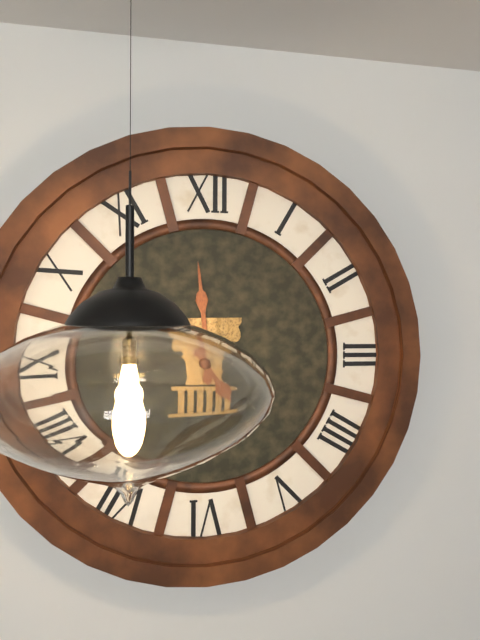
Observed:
{"hour": 4, "minute": 59}
